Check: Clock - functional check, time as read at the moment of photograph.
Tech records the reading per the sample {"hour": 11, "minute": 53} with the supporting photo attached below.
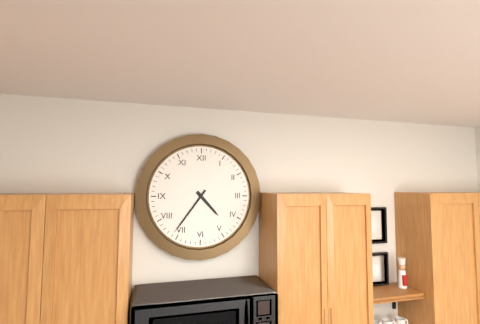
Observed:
{"hour": 4, "minute": 36}
